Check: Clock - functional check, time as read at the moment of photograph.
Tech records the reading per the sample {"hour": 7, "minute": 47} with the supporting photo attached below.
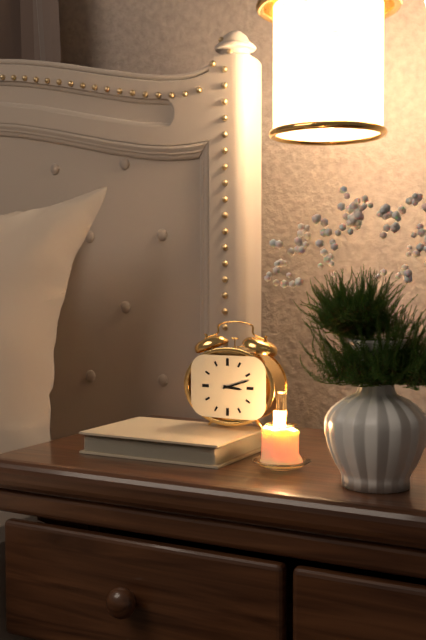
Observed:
{"hour": 3, "minute": 12}
